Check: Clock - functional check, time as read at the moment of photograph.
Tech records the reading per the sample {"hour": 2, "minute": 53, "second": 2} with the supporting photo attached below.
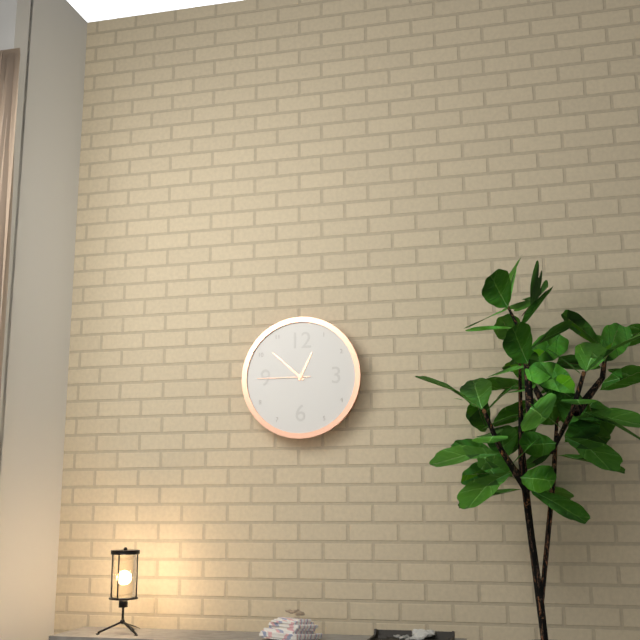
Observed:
{"hour": 12, "minute": 52, "second": 45}
